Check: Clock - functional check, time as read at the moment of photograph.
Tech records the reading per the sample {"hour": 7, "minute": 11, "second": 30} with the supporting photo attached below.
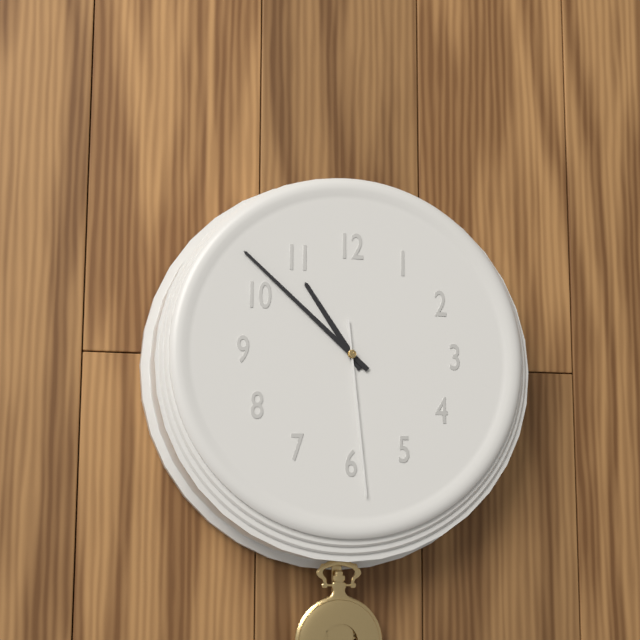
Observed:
{"hour": 10, "minute": 52, "second": 29}
